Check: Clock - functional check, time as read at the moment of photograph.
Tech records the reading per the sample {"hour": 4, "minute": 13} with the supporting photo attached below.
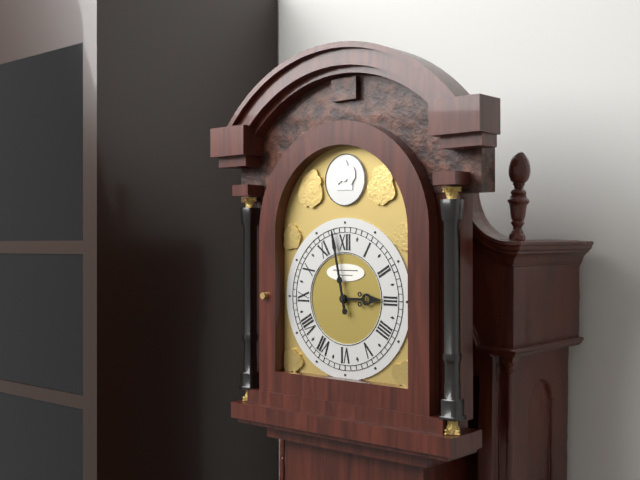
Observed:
{"hour": 2, "minute": 58}
